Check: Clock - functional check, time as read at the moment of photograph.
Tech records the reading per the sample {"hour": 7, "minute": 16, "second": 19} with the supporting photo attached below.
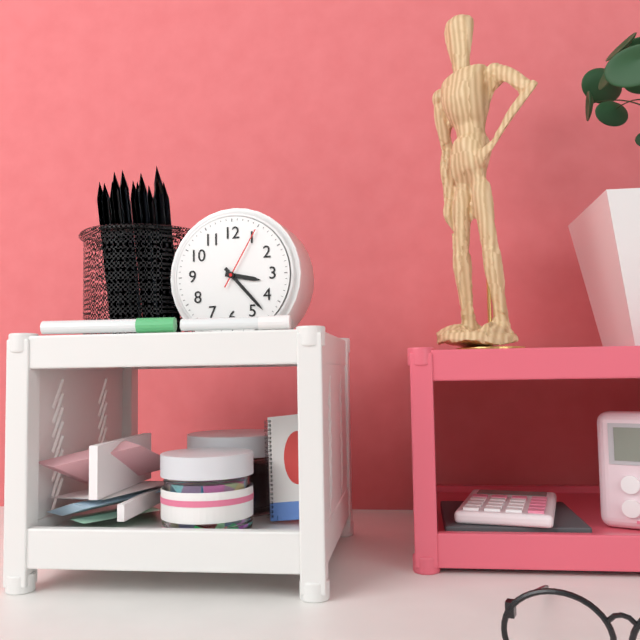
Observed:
{"hour": 3, "minute": 23, "second": 5}
